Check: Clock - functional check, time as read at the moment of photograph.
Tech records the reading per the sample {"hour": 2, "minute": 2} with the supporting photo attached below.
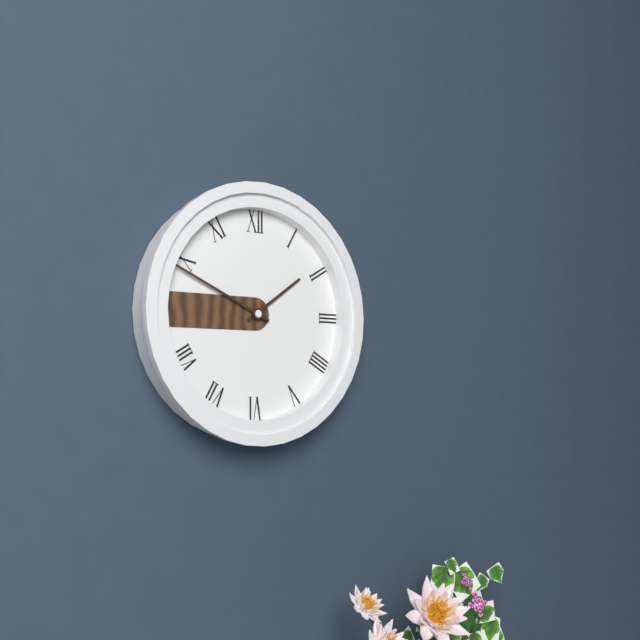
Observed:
{"hour": 1, "minute": 49}
